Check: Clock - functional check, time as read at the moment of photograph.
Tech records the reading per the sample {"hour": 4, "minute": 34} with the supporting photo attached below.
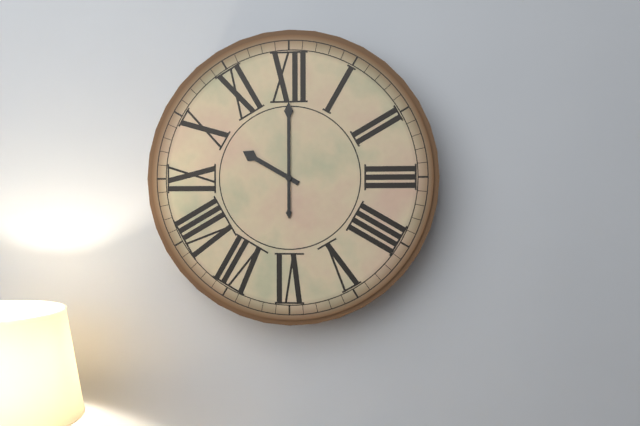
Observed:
{"hour": 10, "minute": 0}
